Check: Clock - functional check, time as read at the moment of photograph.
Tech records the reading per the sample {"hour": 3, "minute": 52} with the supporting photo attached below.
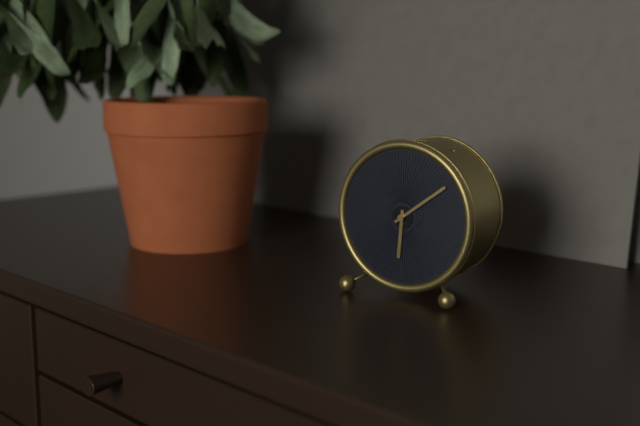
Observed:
{"hour": 6, "minute": 9}
